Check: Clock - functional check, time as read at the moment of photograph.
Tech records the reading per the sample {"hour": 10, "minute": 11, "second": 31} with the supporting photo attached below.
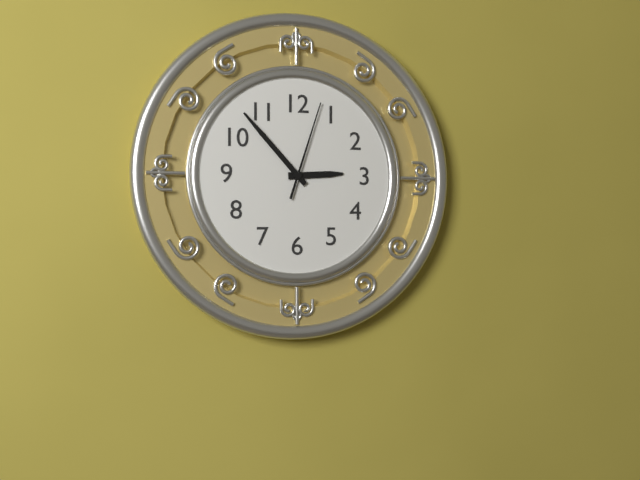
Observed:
{"hour": 2, "minute": 53, "second": 3}
